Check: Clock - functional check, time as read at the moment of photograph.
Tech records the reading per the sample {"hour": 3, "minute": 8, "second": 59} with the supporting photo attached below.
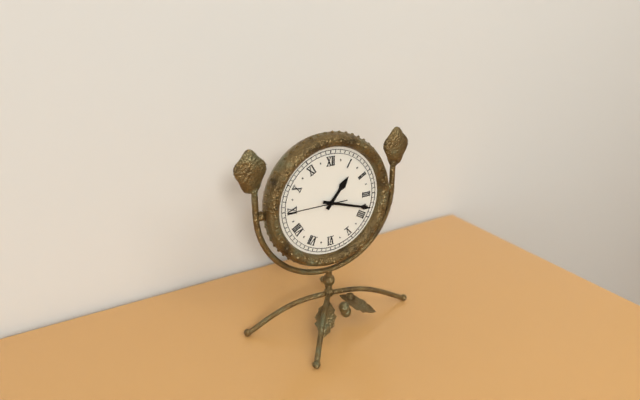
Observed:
{"hour": 1, "minute": 18, "second": 45}
